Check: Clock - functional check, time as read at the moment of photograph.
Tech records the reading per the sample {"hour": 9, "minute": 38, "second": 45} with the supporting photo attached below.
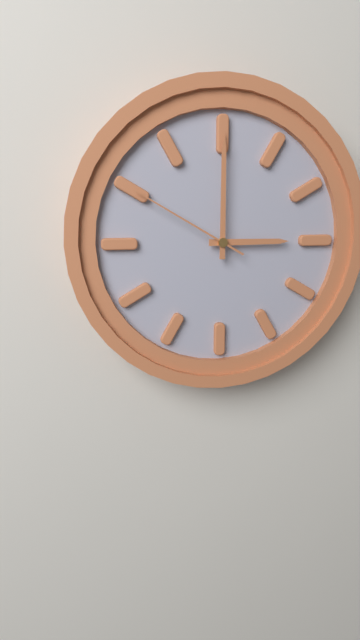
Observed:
{"hour": 3, "minute": 0, "second": 50}
